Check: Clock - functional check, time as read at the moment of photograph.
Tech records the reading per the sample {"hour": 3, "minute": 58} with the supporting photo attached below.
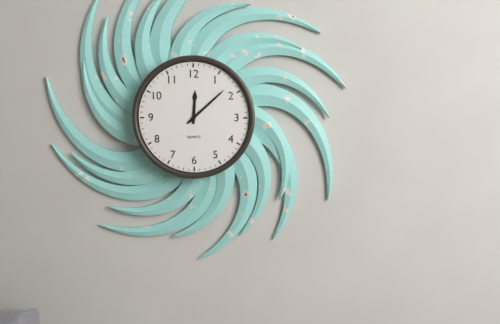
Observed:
{"hour": 12, "minute": 8}
